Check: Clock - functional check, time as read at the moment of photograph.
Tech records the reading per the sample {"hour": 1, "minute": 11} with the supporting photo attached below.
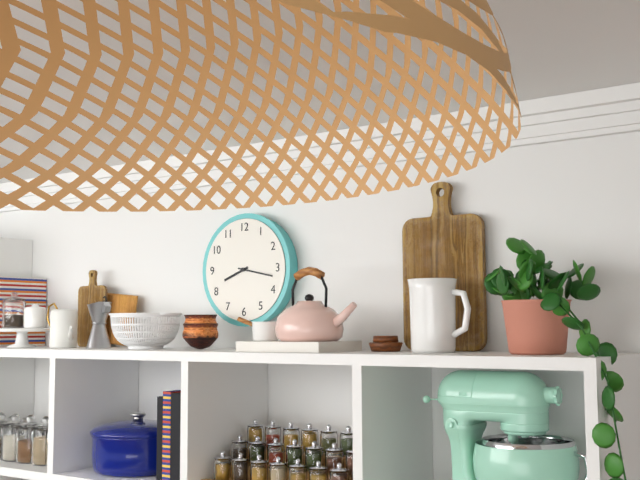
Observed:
{"hour": 8, "minute": 17}
